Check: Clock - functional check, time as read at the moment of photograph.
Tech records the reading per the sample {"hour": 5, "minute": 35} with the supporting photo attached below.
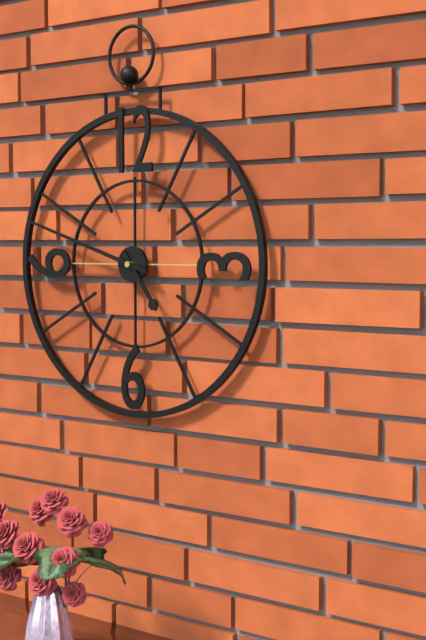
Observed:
{"hour": 4, "minute": 48}
